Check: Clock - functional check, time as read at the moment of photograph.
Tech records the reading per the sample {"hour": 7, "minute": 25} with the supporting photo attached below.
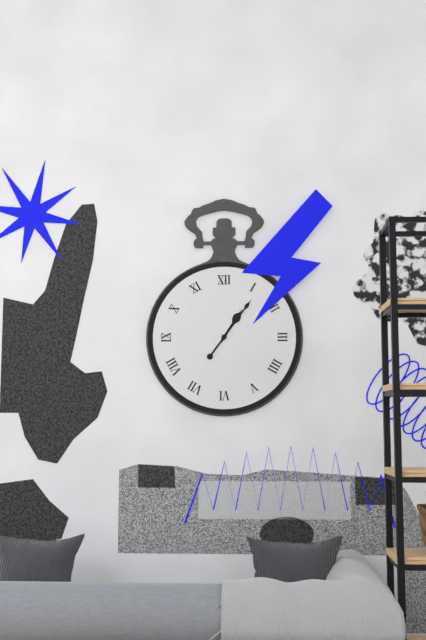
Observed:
{"hour": 1, "minute": 6}
